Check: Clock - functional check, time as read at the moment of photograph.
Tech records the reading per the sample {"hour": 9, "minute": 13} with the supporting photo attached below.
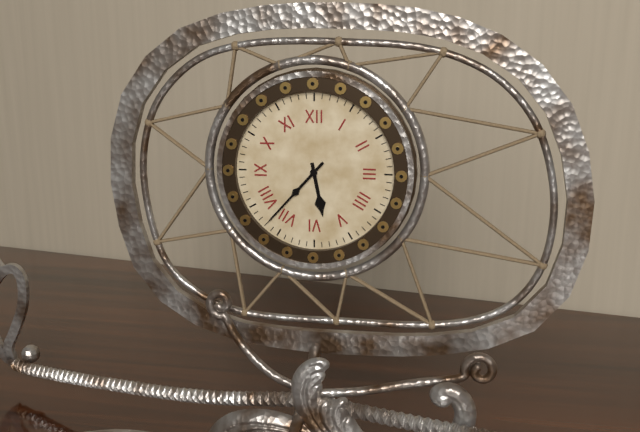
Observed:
{"hour": 5, "minute": 37}
